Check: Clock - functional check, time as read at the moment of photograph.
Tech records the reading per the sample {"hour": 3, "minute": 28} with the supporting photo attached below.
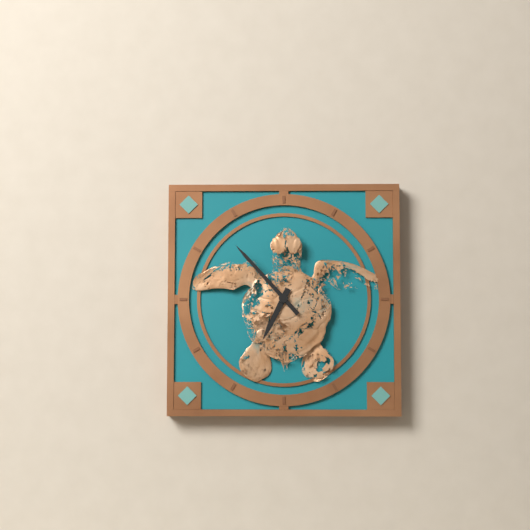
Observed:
{"hour": 6, "minute": 53}
